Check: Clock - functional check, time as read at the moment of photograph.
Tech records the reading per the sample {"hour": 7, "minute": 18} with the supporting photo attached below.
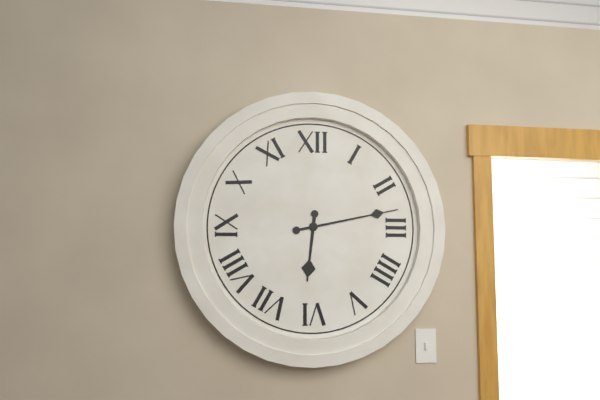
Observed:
{"hour": 6, "minute": 13}
